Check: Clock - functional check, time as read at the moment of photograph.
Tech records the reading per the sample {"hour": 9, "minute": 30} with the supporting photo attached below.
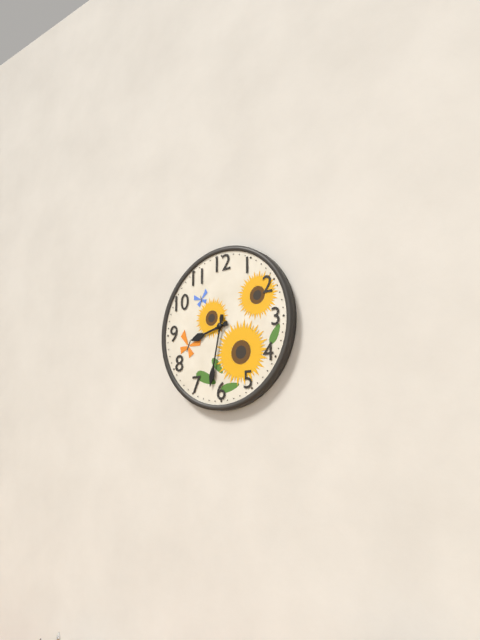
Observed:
{"hour": 8, "minute": 32}
